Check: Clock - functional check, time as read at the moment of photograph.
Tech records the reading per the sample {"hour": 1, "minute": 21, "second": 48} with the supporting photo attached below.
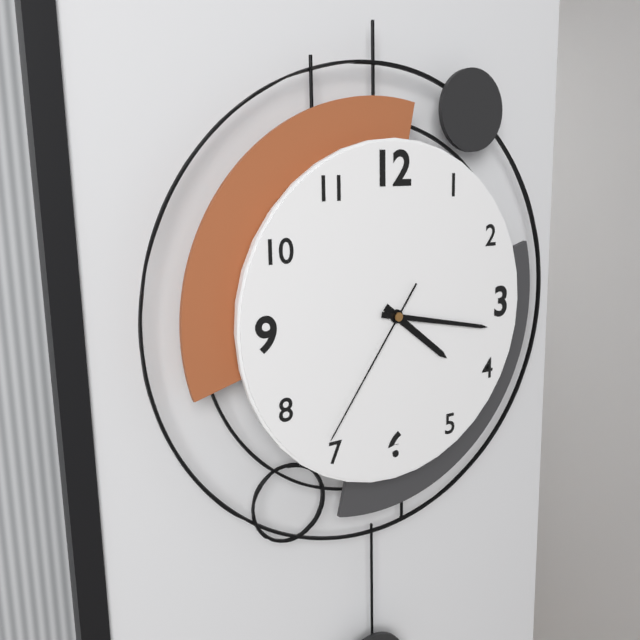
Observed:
{"hour": 4, "minute": 17, "second": 36}
